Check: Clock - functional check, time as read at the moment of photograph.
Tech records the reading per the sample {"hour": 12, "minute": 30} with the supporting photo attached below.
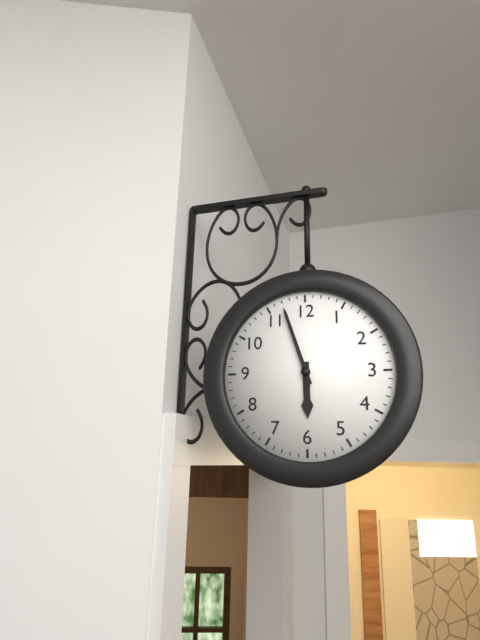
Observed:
{"hour": 5, "minute": 57}
